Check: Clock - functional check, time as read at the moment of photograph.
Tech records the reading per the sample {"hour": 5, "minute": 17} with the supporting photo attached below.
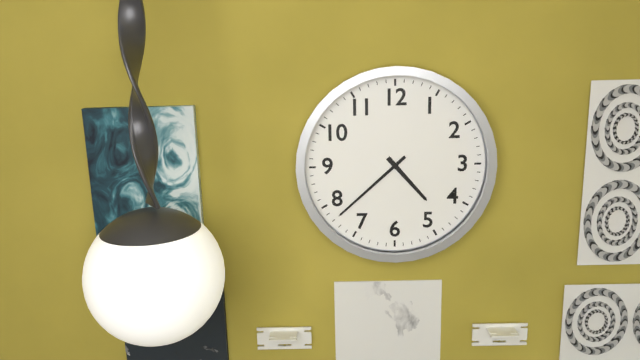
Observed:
{"hour": 4, "minute": 38}
